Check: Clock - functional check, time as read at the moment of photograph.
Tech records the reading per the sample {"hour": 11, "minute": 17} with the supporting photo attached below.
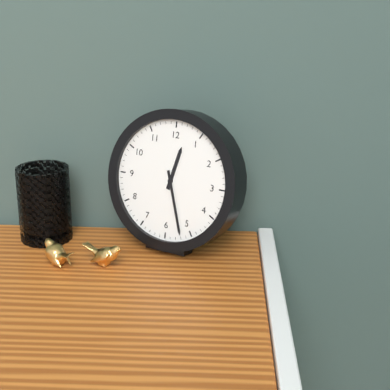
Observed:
{"hour": 12, "minute": 27}
